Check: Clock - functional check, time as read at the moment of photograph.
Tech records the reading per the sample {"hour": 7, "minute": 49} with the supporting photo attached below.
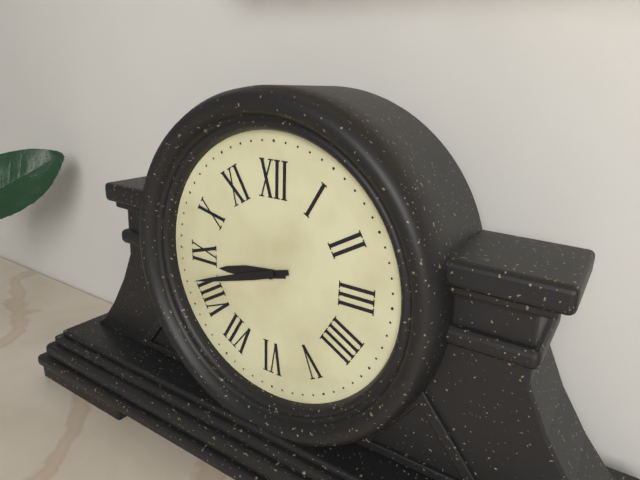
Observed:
{"hour": 8, "minute": 42}
